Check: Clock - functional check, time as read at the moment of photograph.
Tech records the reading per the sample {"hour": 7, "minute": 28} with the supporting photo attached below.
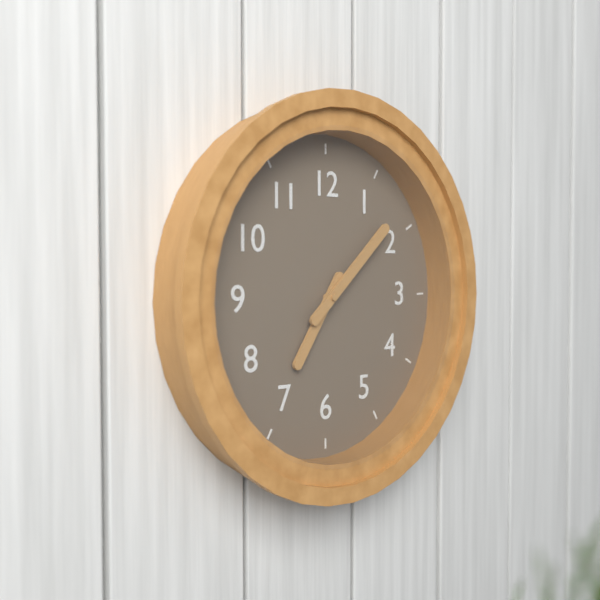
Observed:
{"hour": 7, "minute": 8}
